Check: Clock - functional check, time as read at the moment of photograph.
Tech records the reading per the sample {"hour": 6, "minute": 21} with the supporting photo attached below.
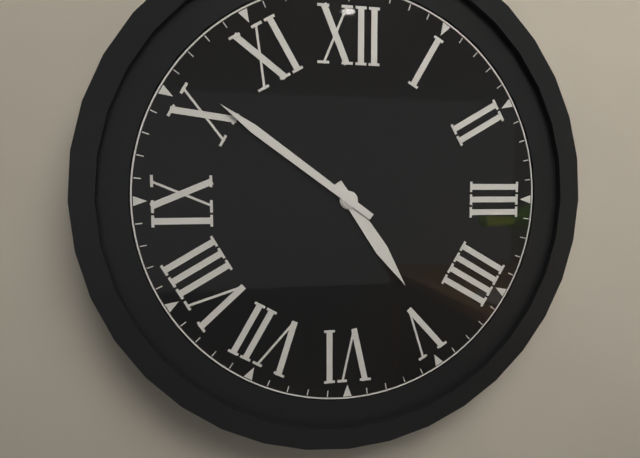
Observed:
{"hour": 4, "minute": 51}
